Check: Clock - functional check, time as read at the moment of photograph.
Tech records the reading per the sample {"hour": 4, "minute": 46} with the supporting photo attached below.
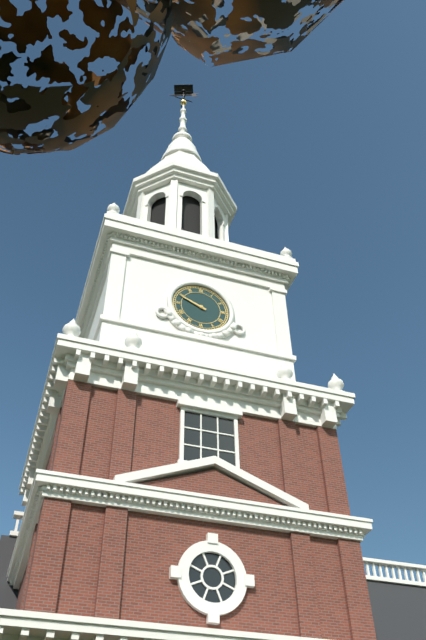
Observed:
{"hour": 9, "minute": 49}
